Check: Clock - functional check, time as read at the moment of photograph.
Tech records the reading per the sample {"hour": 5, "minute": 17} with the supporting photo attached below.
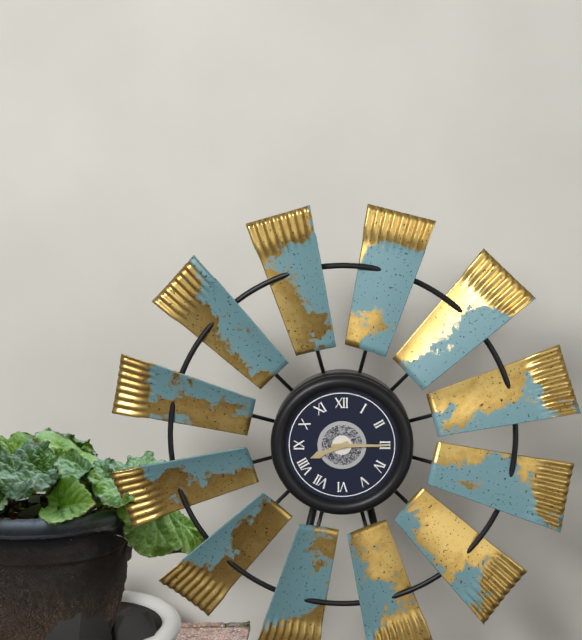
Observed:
{"hour": 8, "minute": 15}
